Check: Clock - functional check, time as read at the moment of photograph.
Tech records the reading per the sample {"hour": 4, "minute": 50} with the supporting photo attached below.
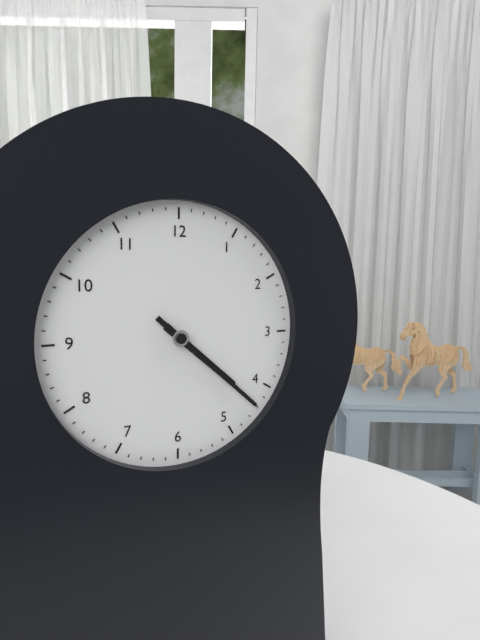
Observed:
{"hour": 4, "minute": 22}
